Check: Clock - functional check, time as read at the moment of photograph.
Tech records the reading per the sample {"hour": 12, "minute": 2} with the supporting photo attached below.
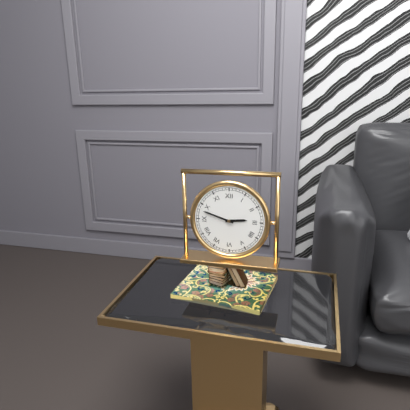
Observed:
{"hour": 2, "minute": 48}
